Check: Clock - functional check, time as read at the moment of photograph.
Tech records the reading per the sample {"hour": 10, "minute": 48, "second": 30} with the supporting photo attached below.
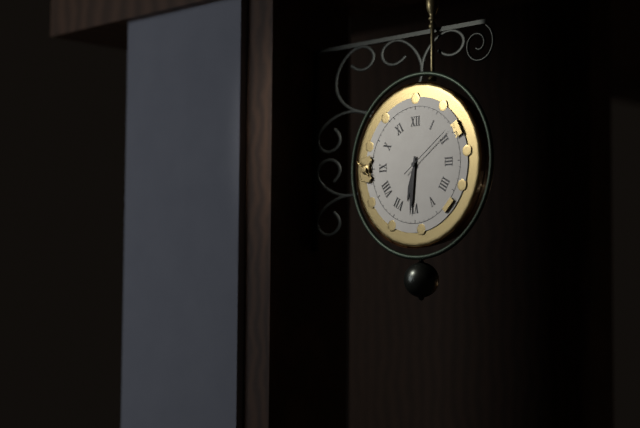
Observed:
{"hour": 6, "minute": 31, "second": 9}
